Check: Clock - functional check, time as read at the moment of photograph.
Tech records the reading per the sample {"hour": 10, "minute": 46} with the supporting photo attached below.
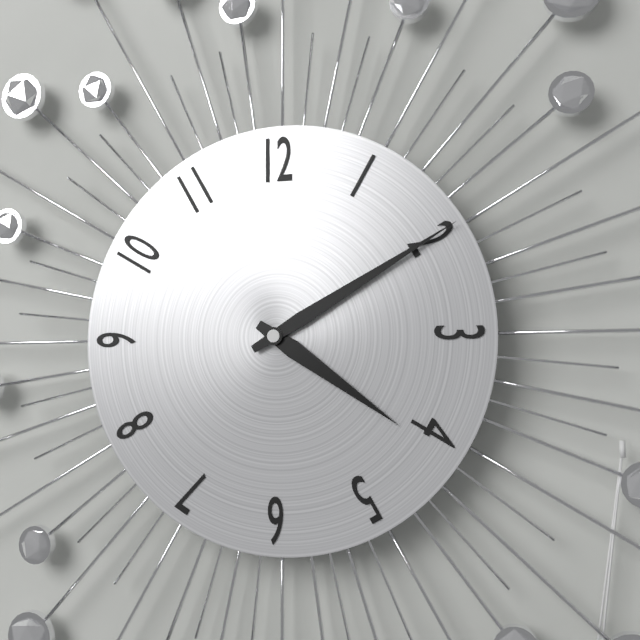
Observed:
{"hour": 4, "minute": 10}
